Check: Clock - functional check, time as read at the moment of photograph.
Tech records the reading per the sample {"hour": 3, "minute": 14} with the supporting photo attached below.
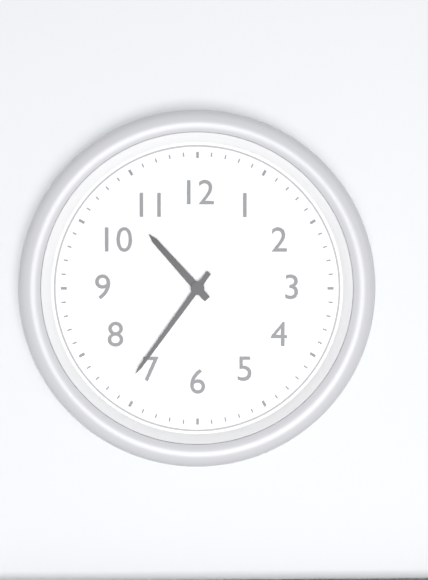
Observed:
{"hour": 10, "minute": 36}
